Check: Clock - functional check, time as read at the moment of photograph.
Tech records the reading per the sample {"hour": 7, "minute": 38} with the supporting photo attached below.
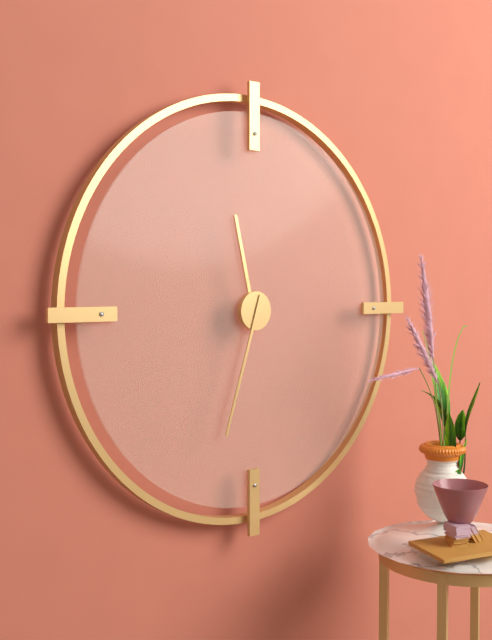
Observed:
{"hour": 11, "minute": 33}
